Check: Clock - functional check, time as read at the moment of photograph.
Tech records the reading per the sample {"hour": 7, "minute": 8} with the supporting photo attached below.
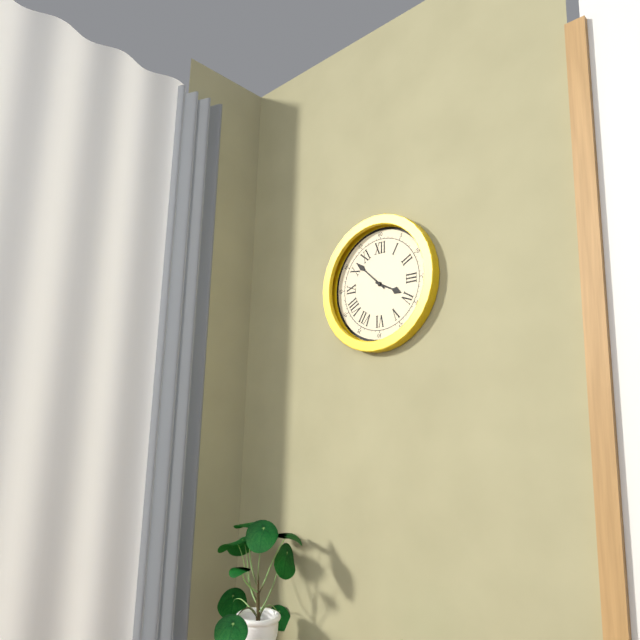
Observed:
{"hour": 3, "minute": 52}
